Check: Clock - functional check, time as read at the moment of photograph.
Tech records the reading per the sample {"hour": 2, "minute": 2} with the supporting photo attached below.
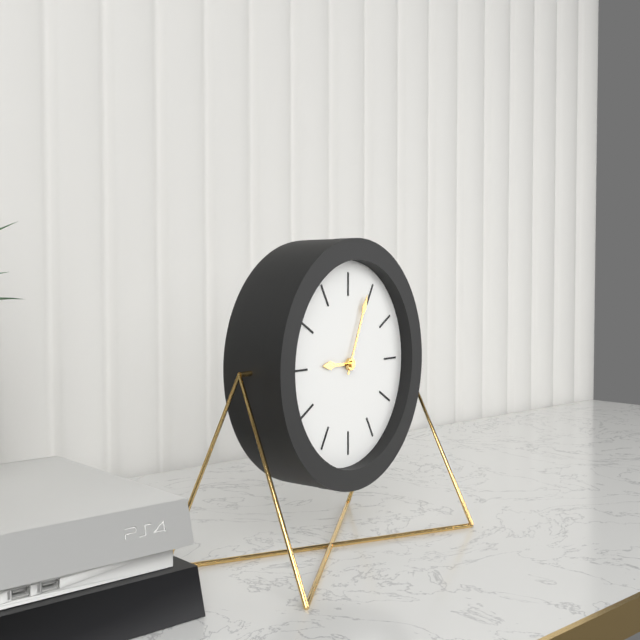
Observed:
{"hour": 9, "minute": 4}
